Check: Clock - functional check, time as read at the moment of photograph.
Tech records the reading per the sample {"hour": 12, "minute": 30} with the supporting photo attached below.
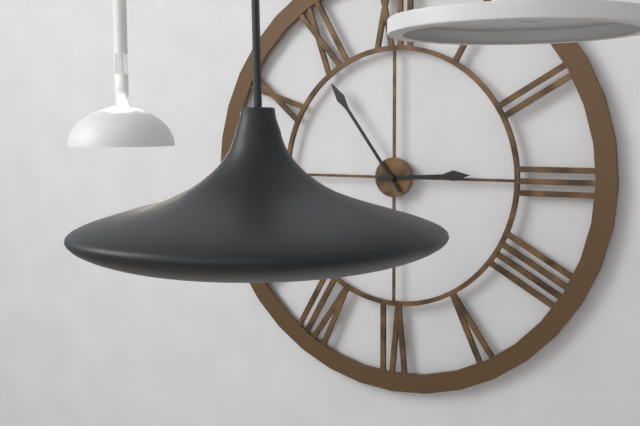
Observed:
{"hour": 2, "minute": 54}
